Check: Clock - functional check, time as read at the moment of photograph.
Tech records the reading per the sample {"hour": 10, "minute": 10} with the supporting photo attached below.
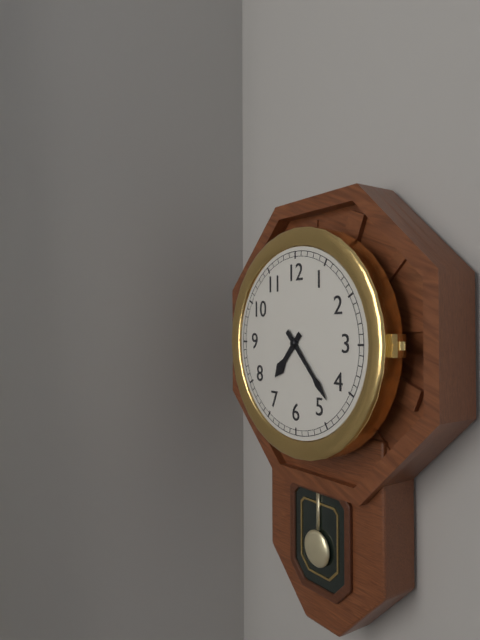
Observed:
{"hour": 7, "minute": 23}
